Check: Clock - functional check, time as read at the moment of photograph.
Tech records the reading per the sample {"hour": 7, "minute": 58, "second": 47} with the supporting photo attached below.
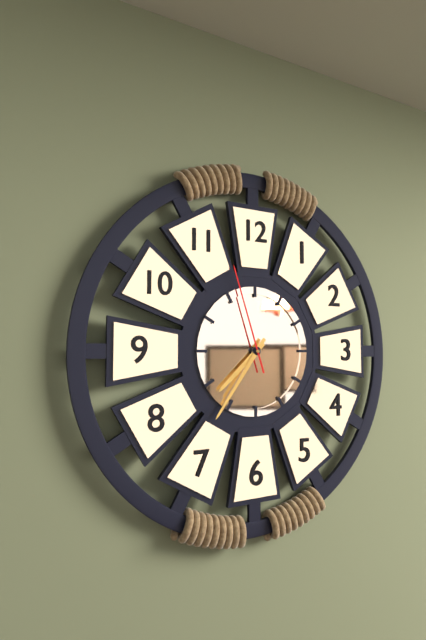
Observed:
{"hour": 7, "minute": 36, "second": 57}
